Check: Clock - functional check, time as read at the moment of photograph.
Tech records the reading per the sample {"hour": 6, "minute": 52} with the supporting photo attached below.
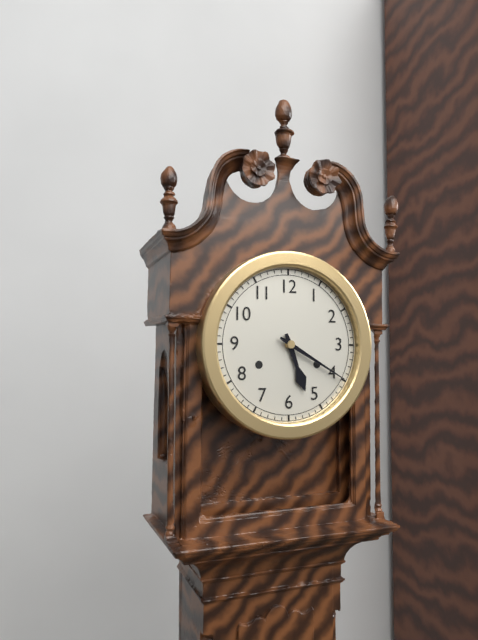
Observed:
{"hour": 5, "minute": 20}
